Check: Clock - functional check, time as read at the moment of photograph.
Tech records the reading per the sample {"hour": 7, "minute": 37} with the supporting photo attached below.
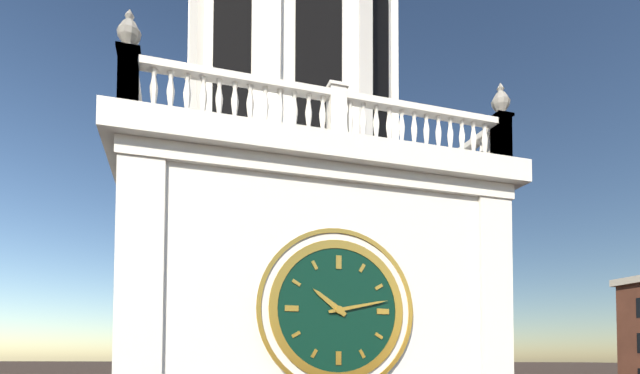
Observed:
{"hour": 10, "minute": 13}
